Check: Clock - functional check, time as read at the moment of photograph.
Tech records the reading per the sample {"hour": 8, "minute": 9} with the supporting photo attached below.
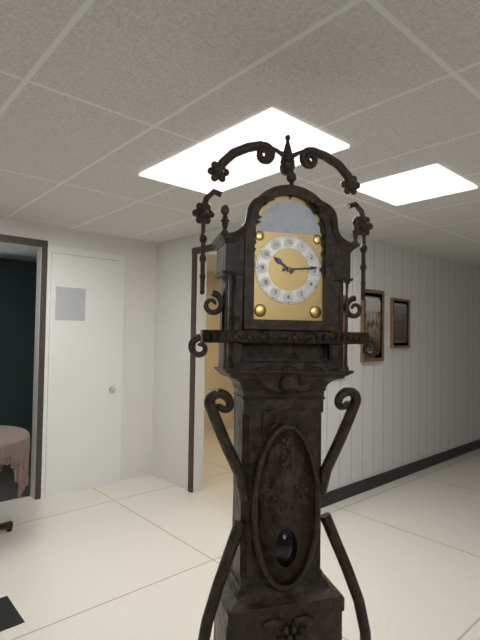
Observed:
{"hour": 10, "minute": 14}
